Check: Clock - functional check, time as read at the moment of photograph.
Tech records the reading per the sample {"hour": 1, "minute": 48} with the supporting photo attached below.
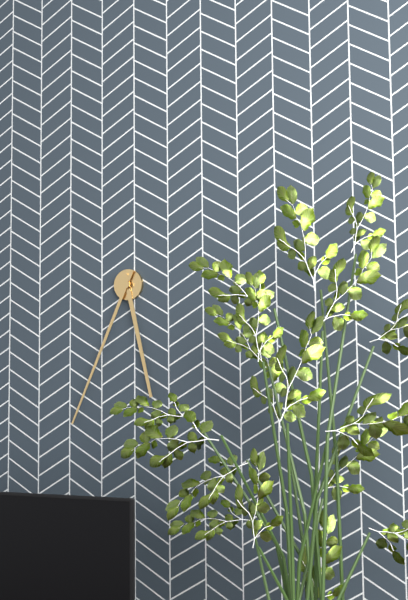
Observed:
{"hour": 5, "minute": 34}
